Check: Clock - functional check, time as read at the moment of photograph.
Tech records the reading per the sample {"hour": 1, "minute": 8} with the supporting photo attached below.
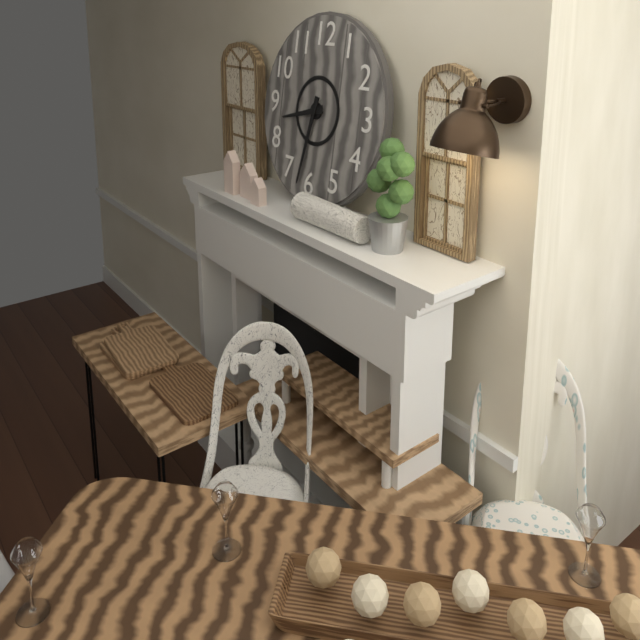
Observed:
{"hour": 8, "minute": 32}
